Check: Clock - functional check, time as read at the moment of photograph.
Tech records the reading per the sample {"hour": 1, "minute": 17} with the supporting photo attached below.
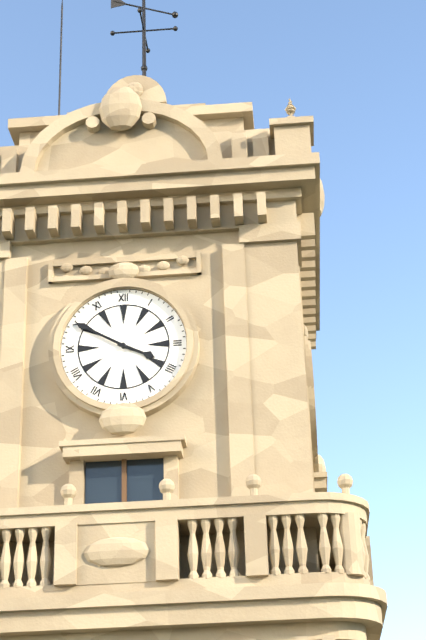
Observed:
{"hour": 3, "minute": 50}
